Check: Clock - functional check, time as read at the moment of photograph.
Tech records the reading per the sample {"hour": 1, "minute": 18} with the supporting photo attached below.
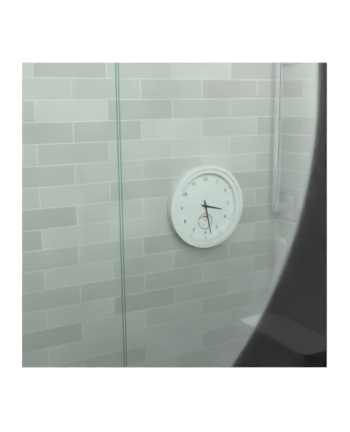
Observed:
{"hour": 3, "minute": 28}
